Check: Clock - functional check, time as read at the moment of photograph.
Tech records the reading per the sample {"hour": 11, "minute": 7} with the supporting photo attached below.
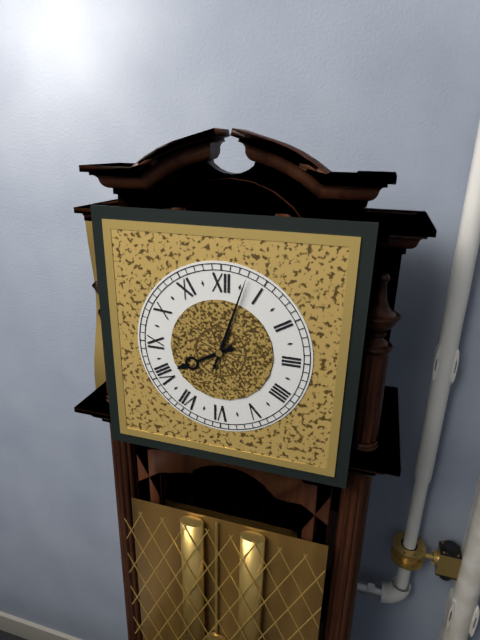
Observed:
{"hour": 8, "minute": 3}
